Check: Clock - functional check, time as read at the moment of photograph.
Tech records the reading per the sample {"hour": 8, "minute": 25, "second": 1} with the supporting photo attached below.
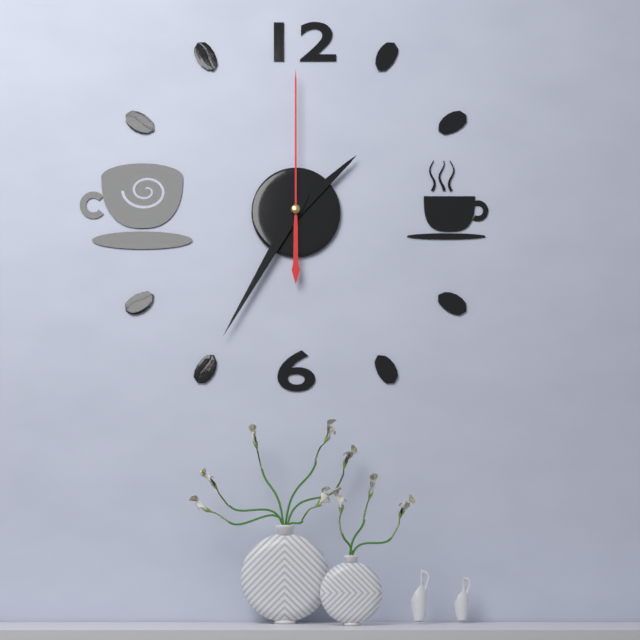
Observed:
{"hour": 1, "minute": 35, "second": 0}
